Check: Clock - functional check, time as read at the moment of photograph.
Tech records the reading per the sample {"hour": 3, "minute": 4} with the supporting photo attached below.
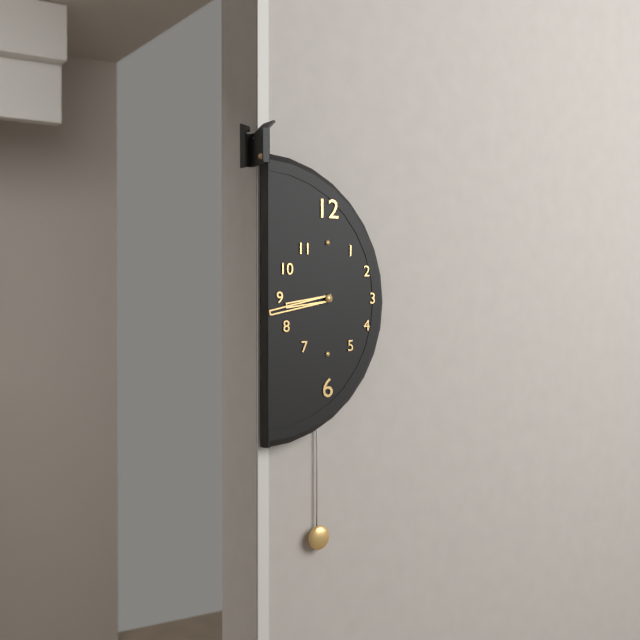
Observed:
{"hour": 8, "minute": 43}
